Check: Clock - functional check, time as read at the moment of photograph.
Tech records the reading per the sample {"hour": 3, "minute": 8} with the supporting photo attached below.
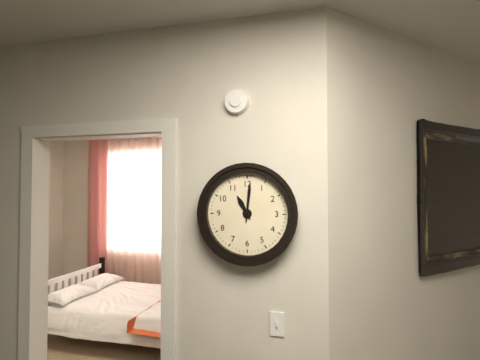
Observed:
{"hour": 11, "minute": 1}
